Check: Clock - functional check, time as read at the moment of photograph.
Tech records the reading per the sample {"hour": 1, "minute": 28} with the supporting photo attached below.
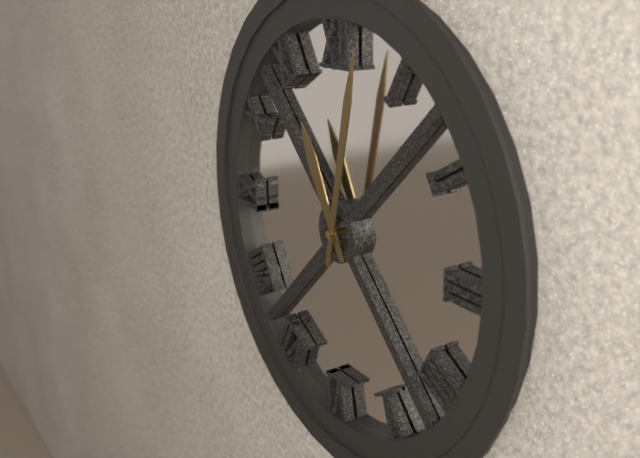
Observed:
{"hour": 11, "minute": 2}
